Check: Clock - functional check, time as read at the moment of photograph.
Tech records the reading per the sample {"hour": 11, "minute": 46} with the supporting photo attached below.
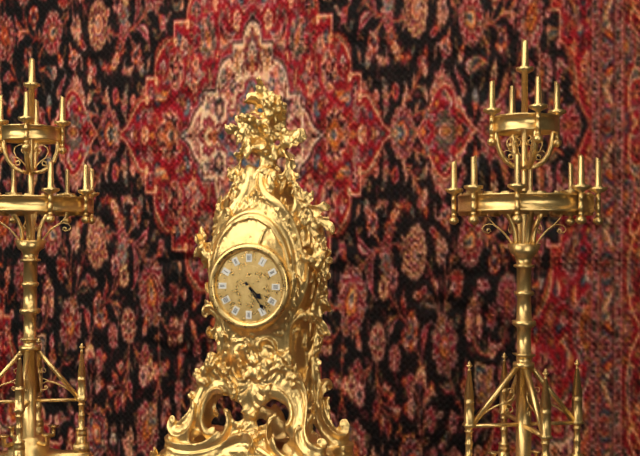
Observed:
{"hour": 4, "minute": 24}
